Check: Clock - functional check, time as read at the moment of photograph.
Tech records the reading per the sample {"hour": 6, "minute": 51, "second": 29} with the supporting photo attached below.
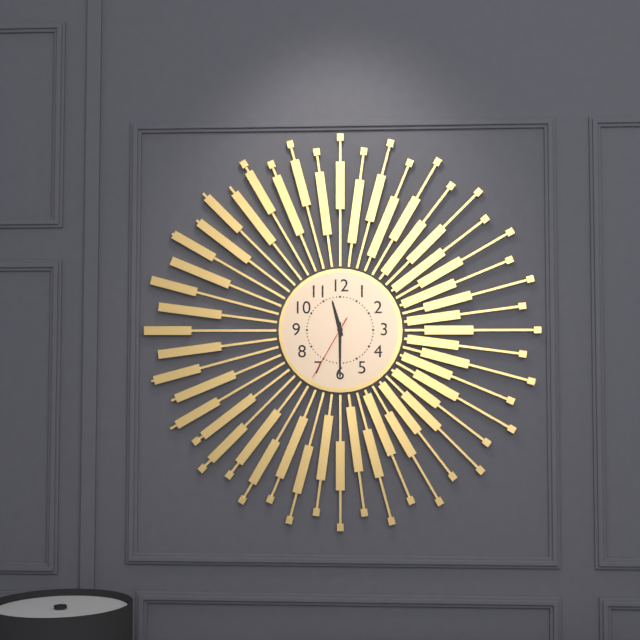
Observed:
{"hour": 11, "minute": 30, "second": 35}
